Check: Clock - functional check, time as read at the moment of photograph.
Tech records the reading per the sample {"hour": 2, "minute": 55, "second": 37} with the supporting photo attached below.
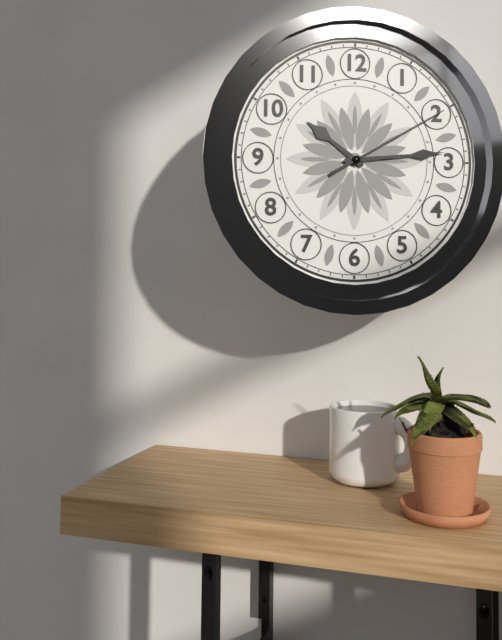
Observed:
{"hour": 10, "minute": 14, "second": 10}
